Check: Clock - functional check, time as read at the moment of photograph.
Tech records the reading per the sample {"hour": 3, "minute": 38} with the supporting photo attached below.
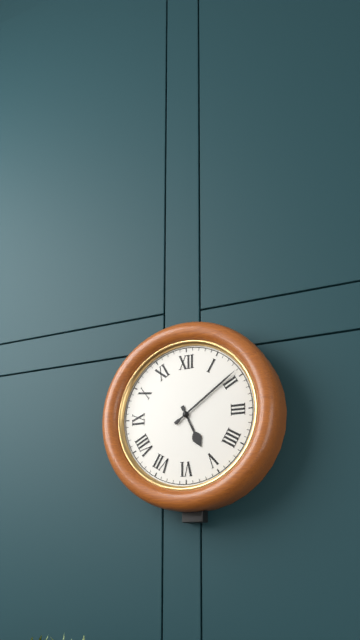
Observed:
{"hour": 5, "minute": 9}
